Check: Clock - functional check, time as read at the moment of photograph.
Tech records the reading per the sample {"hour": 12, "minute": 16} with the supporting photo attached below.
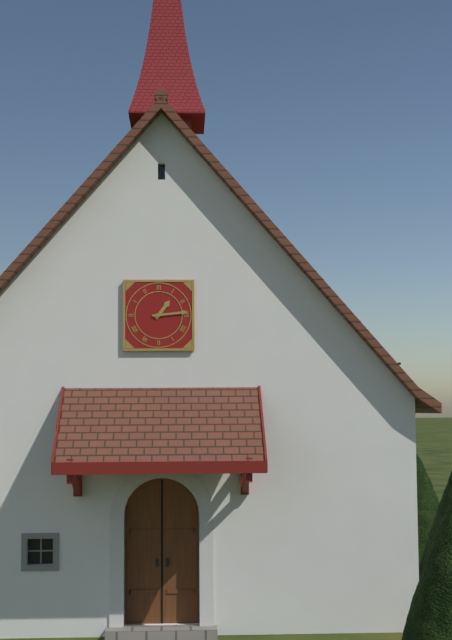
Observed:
{"hour": 1, "minute": 14}
